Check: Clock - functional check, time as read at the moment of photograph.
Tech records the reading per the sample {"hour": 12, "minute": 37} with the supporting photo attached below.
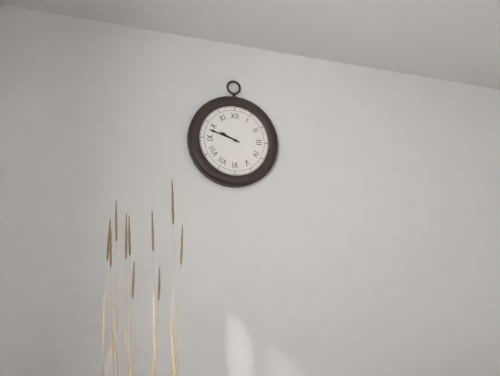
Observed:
{"hour": 9, "minute": 48}
